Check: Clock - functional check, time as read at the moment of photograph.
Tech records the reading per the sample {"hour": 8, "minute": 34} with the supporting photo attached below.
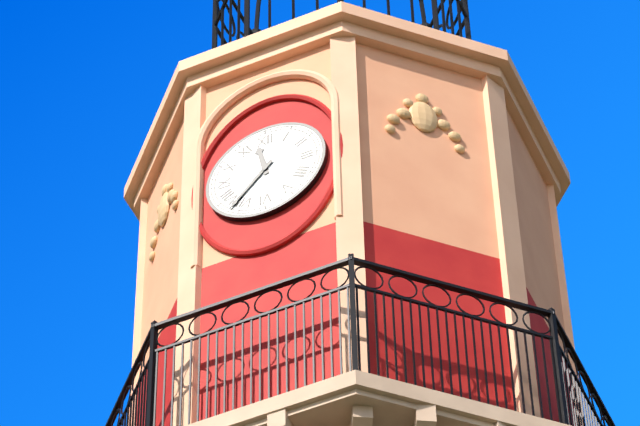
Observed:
{"hour": 11, "minute": 37}
